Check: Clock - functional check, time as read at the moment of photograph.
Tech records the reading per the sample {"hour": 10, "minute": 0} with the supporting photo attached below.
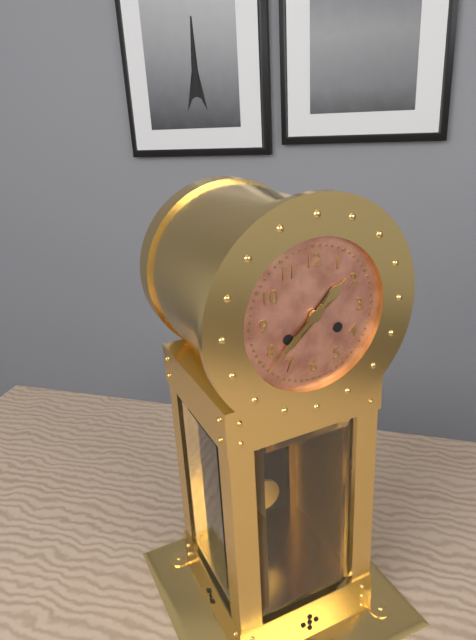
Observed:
{"hour": 1, "minute": 38}
